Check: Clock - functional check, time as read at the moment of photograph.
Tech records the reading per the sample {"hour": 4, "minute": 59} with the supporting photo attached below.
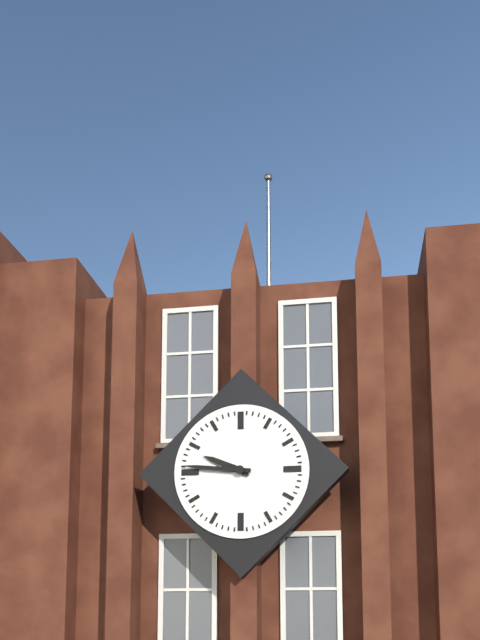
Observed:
{"hour": 9, "minute": 46}
